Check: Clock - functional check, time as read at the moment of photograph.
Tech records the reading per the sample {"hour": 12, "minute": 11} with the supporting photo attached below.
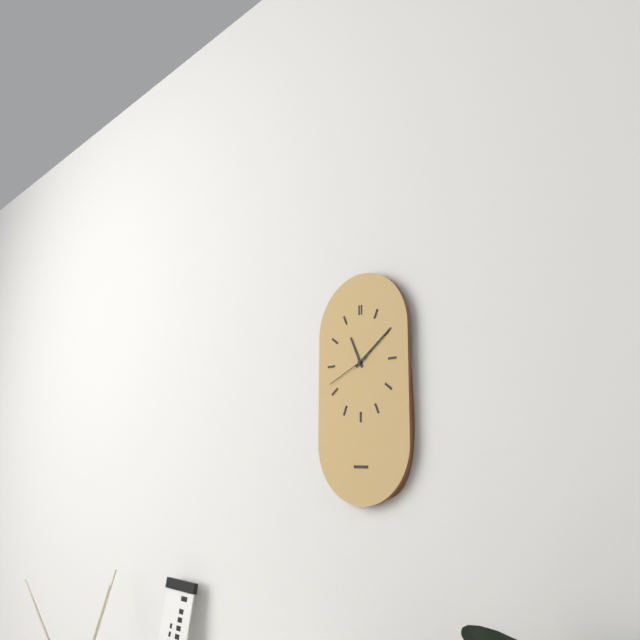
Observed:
{"hour": 11, "minute": 9}
